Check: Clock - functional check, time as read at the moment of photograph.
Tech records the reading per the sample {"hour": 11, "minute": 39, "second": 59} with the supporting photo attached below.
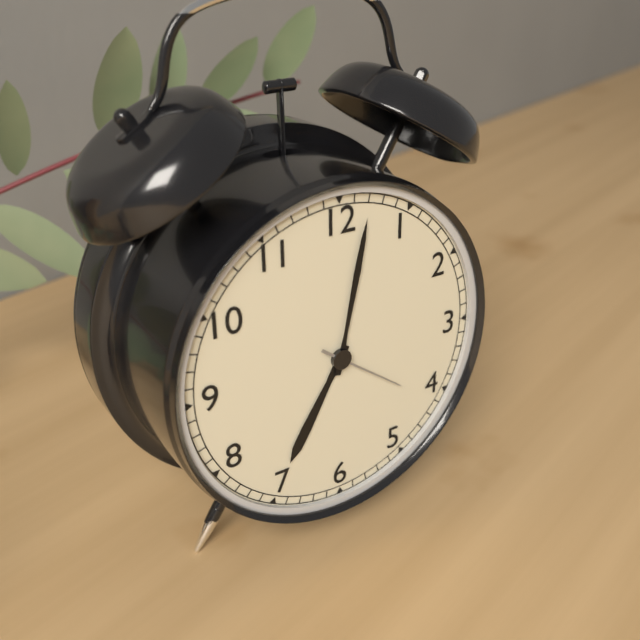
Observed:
{"hour": 7, "minute": 2, "second": 21}
